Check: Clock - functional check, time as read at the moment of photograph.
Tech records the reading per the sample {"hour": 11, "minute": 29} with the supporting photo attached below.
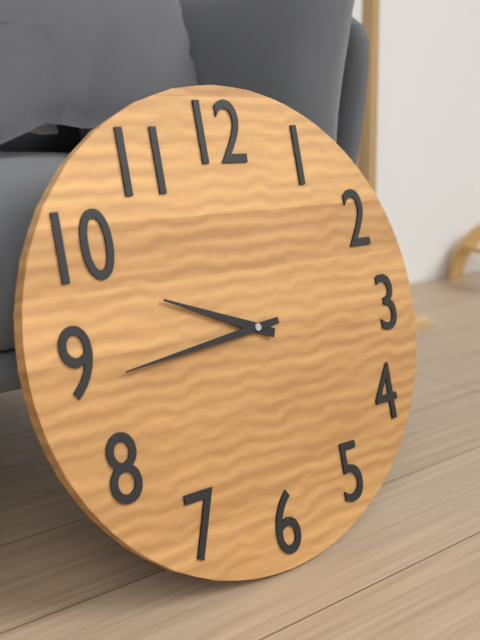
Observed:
{"hour": 9, "minute": 44}
